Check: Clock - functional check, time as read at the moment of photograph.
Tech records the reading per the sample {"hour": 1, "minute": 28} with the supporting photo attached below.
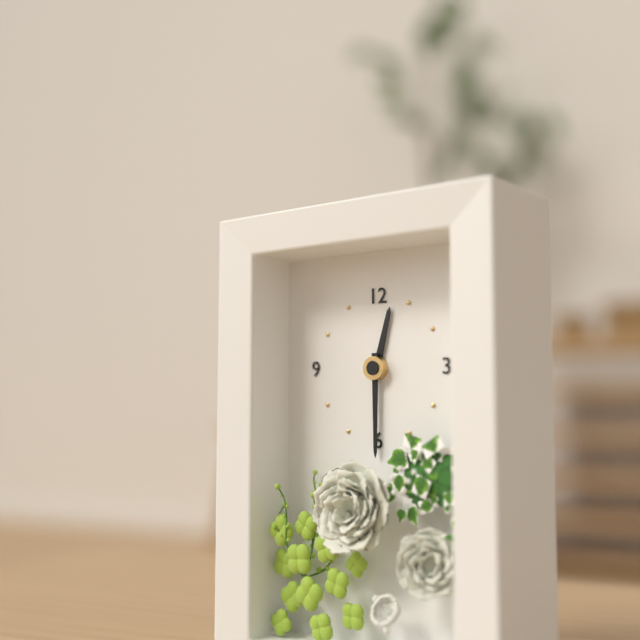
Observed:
{"hour": 12, "minute": 30}
